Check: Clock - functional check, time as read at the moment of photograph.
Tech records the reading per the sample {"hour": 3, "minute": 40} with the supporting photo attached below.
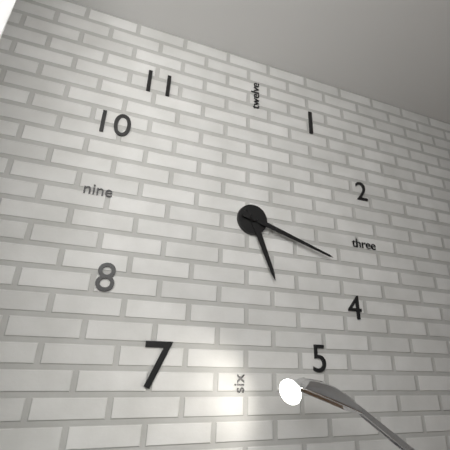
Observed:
{"hour": 5, "minute": 18}
